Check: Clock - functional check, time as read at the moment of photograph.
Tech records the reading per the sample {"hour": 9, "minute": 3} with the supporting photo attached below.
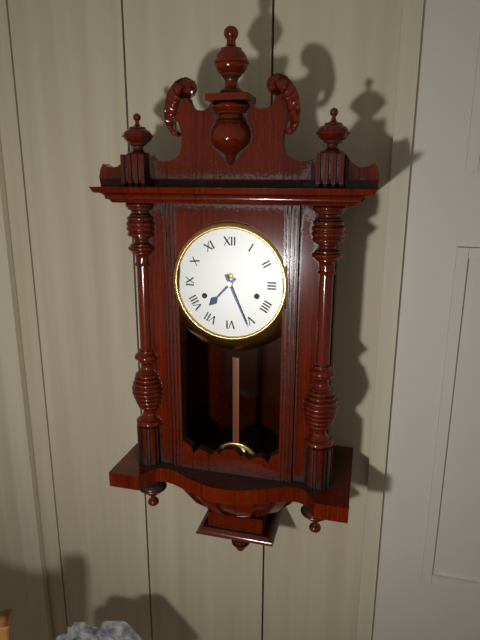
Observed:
{"hour": 7, "minute": 26}
